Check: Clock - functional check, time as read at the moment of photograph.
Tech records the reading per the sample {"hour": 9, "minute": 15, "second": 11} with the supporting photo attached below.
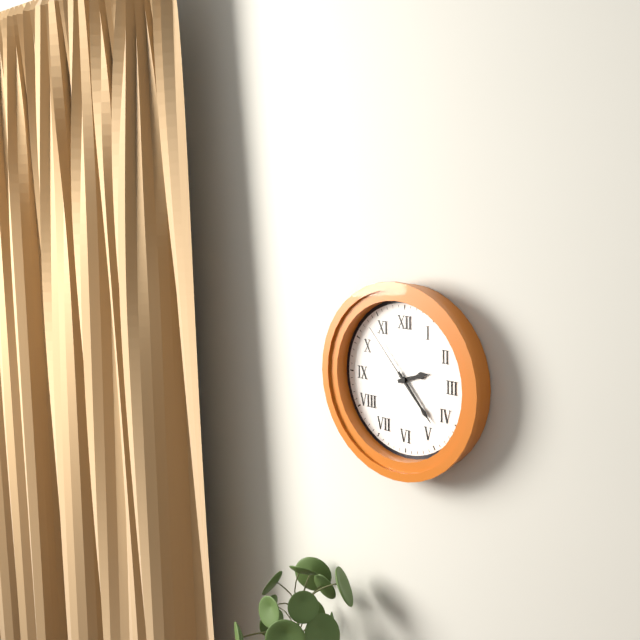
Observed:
{"hour": 2, "minute": 23, "second": 53}
